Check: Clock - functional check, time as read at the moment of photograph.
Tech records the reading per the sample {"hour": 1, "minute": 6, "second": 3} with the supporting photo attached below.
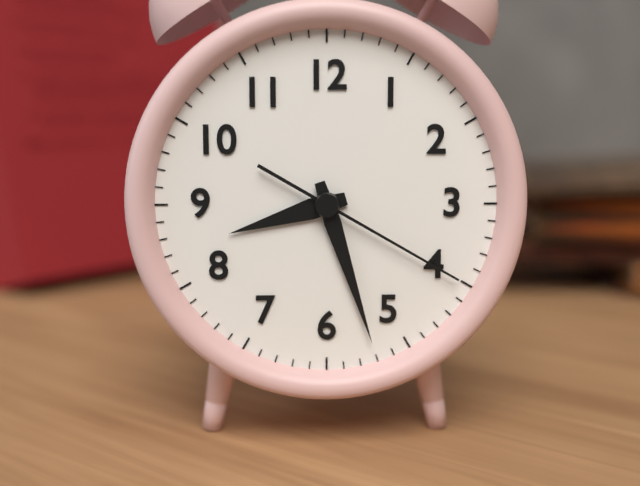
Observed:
{"hour": 8, "minute": 27, "second": 20}
